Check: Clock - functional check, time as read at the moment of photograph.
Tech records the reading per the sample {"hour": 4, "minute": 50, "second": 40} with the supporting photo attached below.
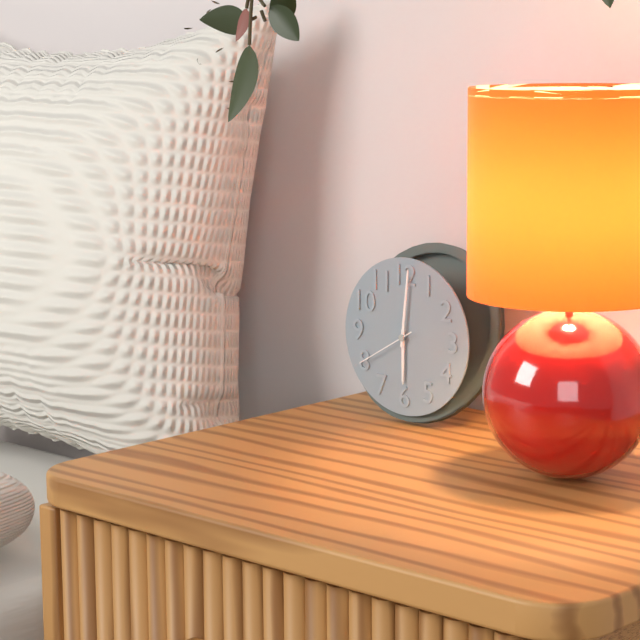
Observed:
{"hour": 6, "minute": 1, "second": 40}
